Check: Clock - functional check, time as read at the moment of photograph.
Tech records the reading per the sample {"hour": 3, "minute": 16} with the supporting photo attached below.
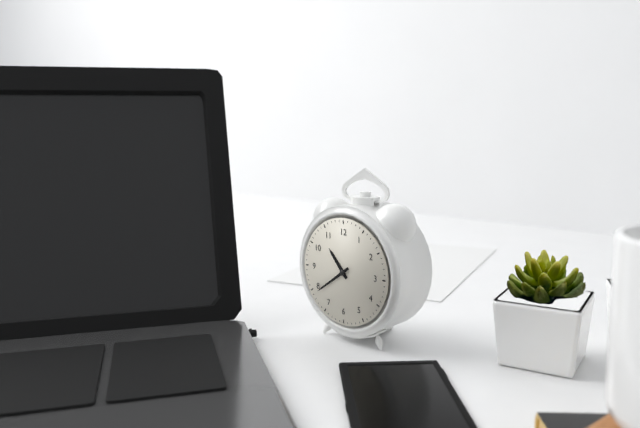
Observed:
{"hour": 10, "minute": 39}
